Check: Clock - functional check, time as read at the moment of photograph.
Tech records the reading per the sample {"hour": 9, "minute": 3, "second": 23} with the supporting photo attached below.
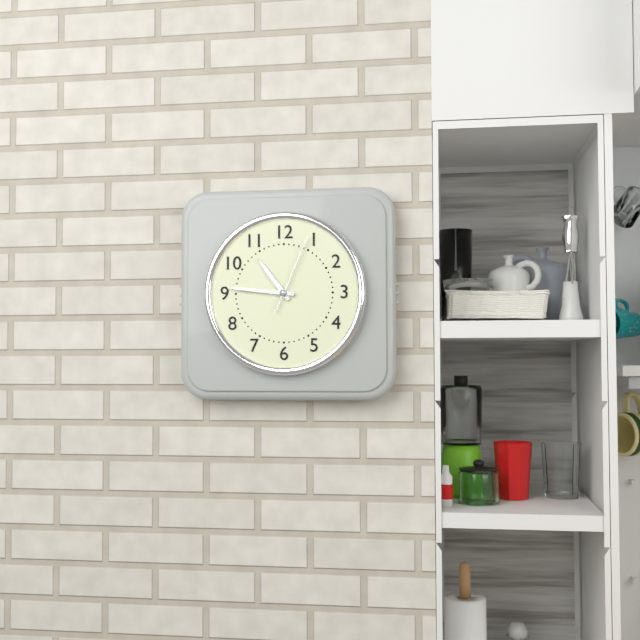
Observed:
{"hour": 10, "minute": 46, "second": 4}
